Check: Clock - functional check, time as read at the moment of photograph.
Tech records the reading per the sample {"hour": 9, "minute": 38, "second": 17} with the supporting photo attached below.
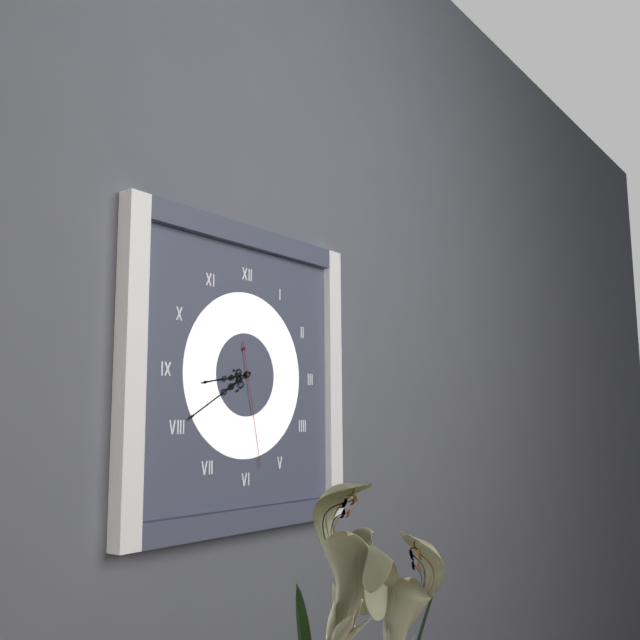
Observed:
{"hour": 8, "minute": 40, "second": 28}
